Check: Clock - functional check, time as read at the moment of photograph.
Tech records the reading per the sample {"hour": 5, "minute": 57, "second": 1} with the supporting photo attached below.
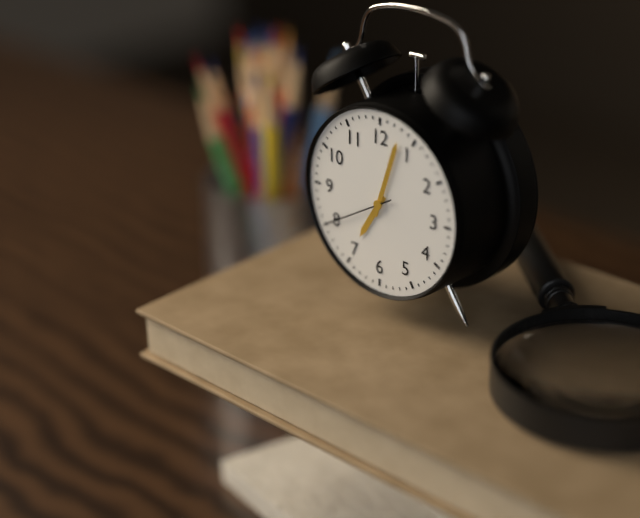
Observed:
{"hour": 7, "minute": 3, "second": 40}
